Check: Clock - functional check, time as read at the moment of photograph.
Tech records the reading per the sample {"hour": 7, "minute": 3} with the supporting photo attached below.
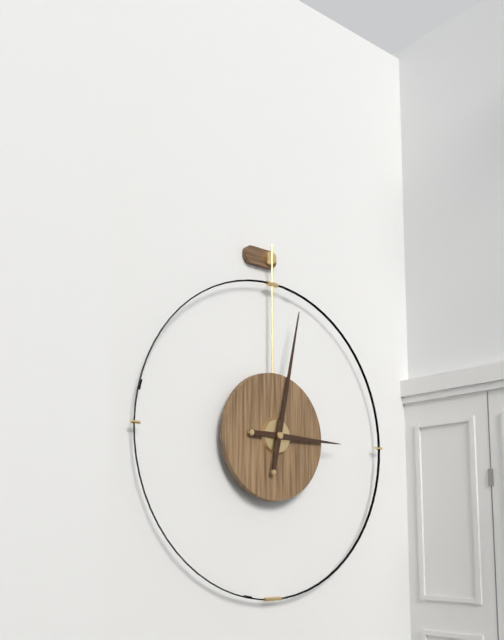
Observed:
{"hour": 3, "minute": 2}
